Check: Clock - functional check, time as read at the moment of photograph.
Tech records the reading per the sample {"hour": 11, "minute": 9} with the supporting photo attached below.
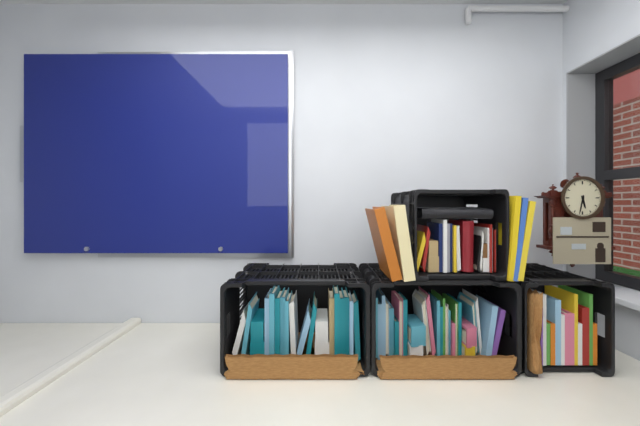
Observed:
{"hour": 5, "minute": 32}
